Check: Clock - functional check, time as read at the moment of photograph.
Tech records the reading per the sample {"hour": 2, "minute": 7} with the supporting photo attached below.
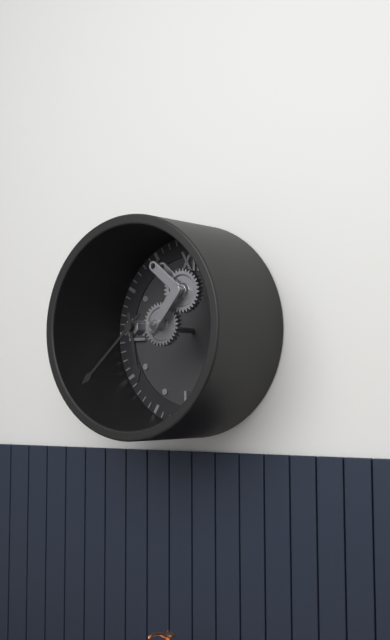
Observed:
{"hour": 5, "minute": 38}
